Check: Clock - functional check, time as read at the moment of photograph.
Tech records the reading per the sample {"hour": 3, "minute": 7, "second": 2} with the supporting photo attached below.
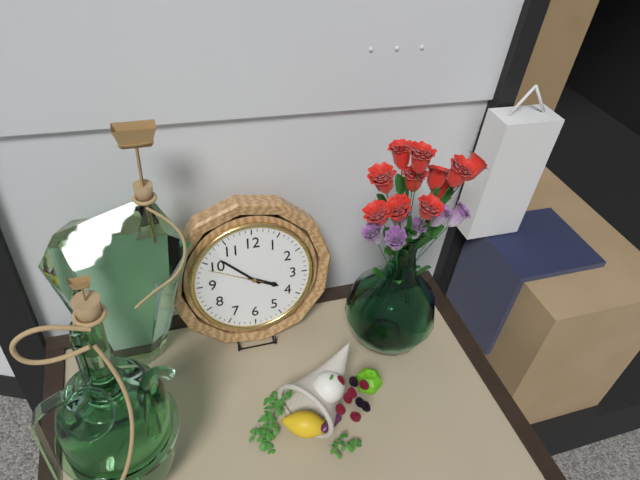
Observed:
{"hour": 3, "minute": 52, "second": 49}
